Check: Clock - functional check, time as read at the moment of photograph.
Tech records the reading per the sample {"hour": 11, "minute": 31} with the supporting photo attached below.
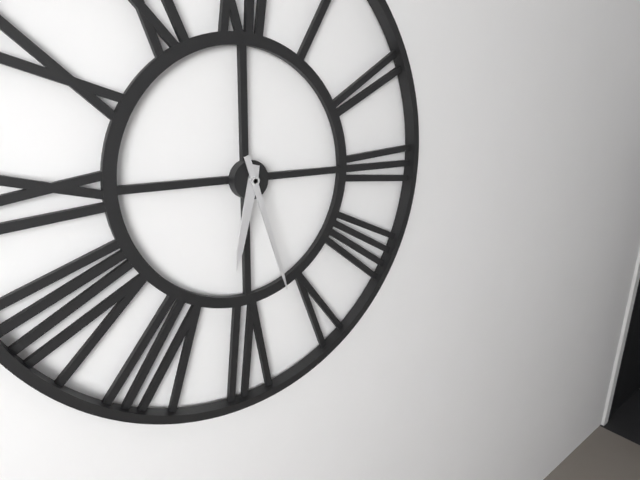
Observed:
{"hour": 6, "minute": 27}
